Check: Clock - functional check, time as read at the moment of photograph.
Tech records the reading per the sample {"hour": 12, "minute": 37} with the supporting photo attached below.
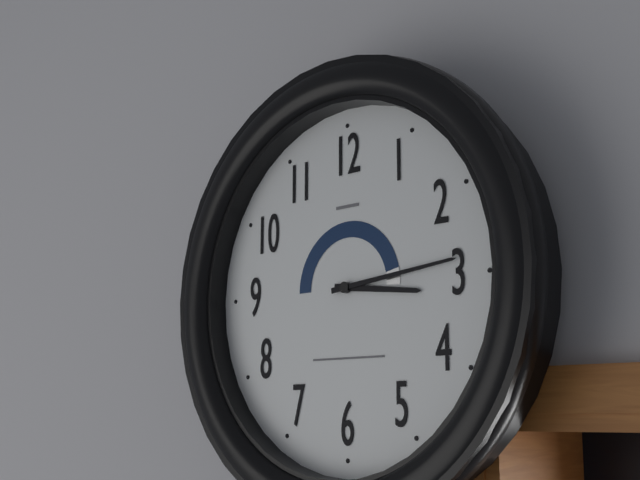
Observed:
{"hour": 3, "minute": 14}
